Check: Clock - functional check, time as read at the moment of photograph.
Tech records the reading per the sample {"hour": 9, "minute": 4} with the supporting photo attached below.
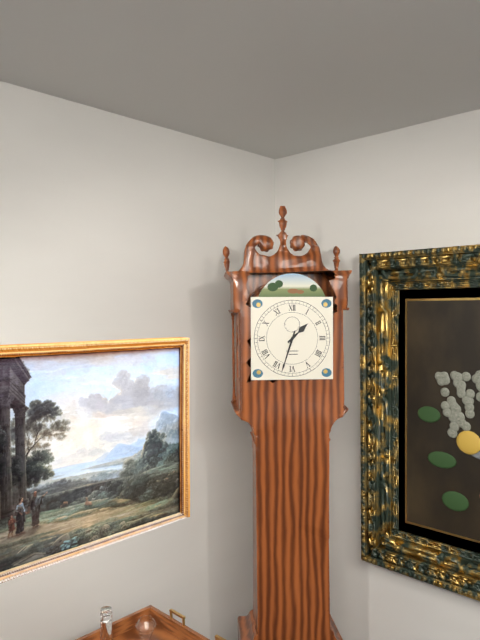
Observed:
{"hour": 1, "minute": 33}
